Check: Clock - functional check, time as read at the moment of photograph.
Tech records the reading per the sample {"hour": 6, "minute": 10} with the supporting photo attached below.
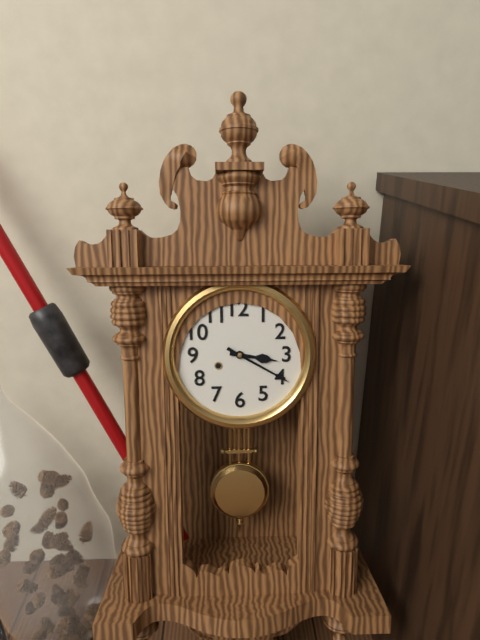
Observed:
{"hour": 3, "minute": 20}
